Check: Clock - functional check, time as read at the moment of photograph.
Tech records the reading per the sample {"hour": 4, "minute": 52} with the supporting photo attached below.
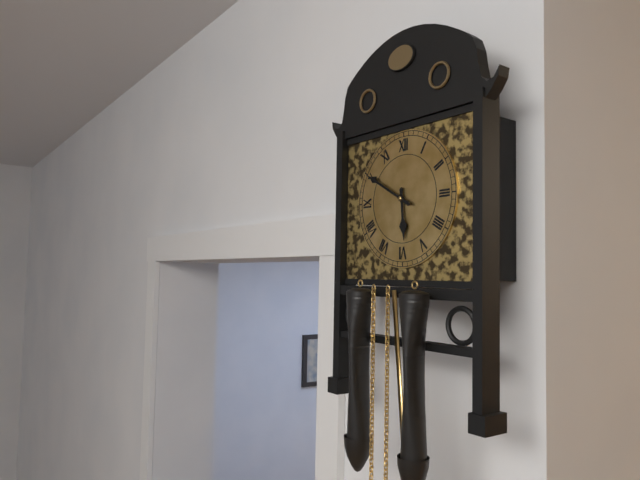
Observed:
{"hour": 5, "minute": 50}
